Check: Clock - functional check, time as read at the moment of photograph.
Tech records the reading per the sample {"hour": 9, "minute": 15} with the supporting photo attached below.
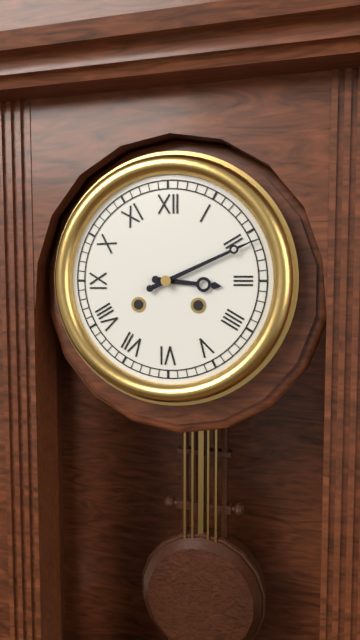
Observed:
{"hour": 3, "minute": 11}
